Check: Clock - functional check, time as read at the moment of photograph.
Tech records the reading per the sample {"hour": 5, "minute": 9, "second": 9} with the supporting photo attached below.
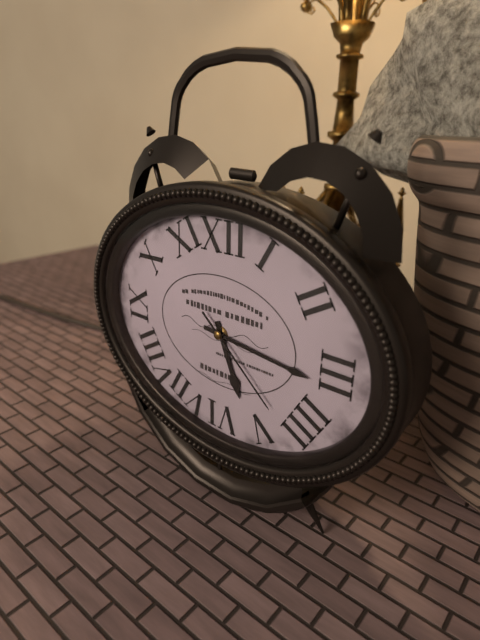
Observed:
{"hour": 5, "minute": 16, "second": 22}
